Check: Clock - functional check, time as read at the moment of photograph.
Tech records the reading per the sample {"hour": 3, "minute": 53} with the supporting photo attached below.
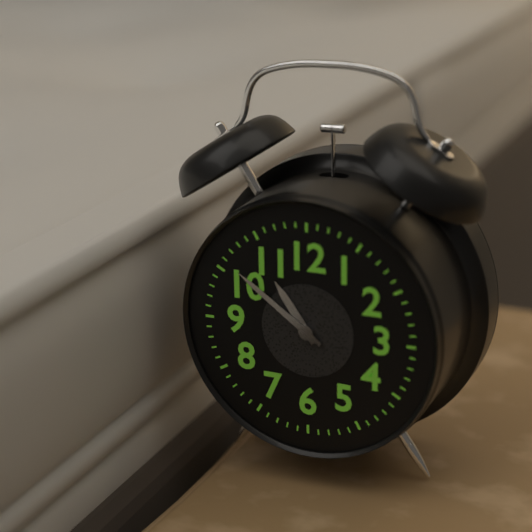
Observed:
{"hour": 10, "minute": 51}
